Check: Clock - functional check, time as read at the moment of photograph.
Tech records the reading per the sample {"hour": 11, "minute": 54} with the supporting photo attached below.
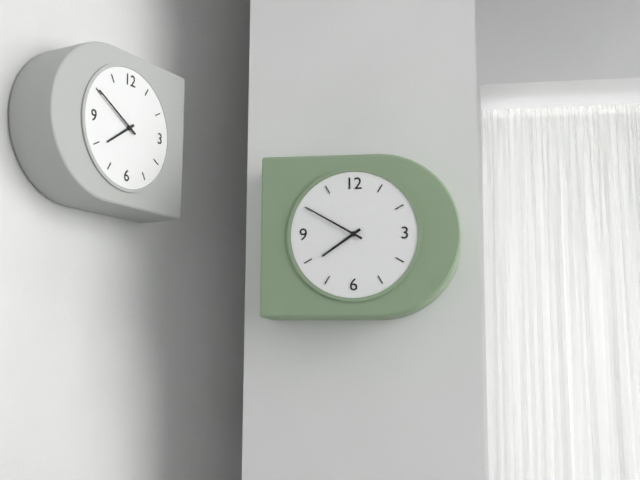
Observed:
{"hour": 7, "minute": 50}
